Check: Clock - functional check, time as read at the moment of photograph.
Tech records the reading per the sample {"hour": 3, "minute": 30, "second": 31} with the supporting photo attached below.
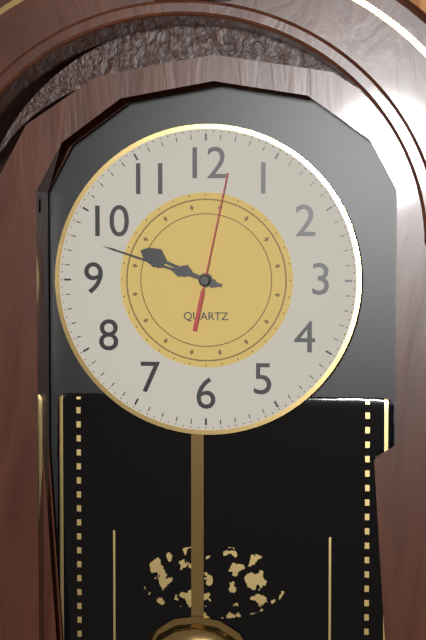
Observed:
{"hour": 9, "minute": 48, "second": 2}
